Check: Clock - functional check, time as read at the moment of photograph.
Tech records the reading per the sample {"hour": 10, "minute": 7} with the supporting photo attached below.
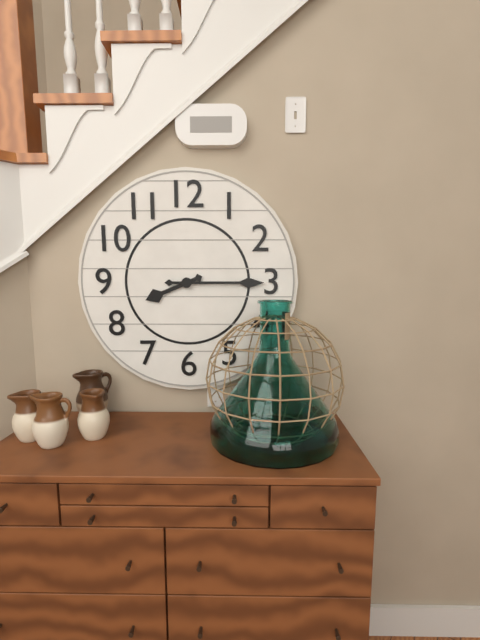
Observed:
{"hour": 8, "minute": 15}
